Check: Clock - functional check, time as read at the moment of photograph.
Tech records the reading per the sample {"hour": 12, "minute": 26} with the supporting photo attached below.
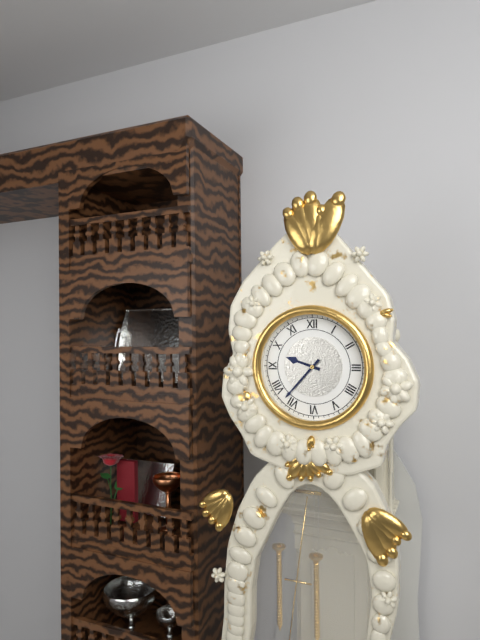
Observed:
{"hour": 9, "minute": 37}
